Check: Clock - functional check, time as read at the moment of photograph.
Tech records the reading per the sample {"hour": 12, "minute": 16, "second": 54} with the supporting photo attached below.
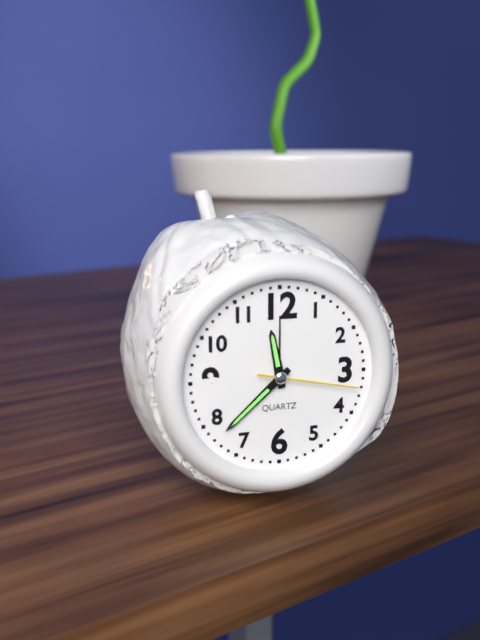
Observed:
{"hour": 11, "minute": 38, "second": 17}
